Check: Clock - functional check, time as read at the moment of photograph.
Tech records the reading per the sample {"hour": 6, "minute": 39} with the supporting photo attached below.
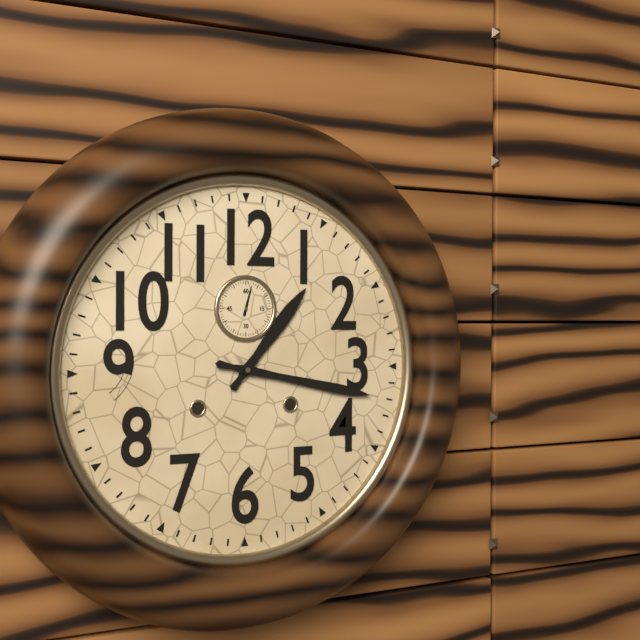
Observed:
{"hour": 1, "minute": 17}
